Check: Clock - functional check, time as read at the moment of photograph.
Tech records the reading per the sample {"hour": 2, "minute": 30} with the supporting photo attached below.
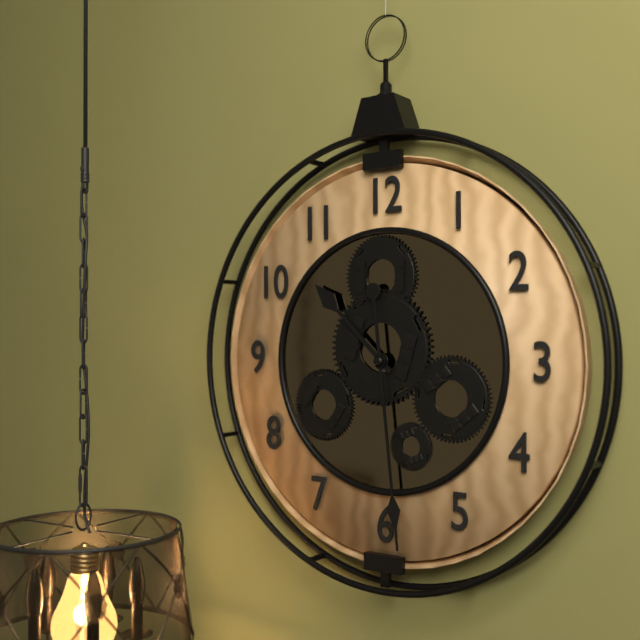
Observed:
{"hour": 10, "minute": 29}
